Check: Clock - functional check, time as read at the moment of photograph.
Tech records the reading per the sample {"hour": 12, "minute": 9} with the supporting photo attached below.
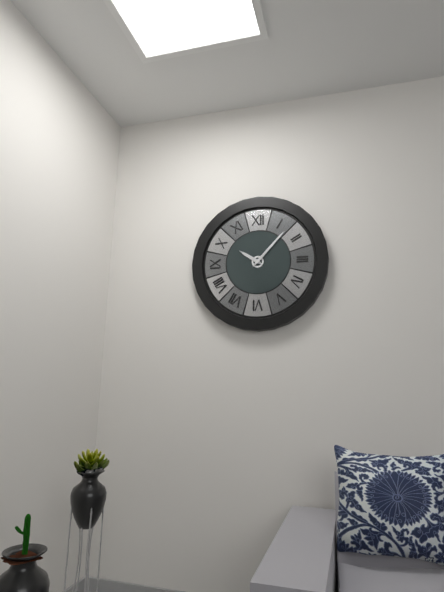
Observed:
{"hour": 10, "minute": 7}
